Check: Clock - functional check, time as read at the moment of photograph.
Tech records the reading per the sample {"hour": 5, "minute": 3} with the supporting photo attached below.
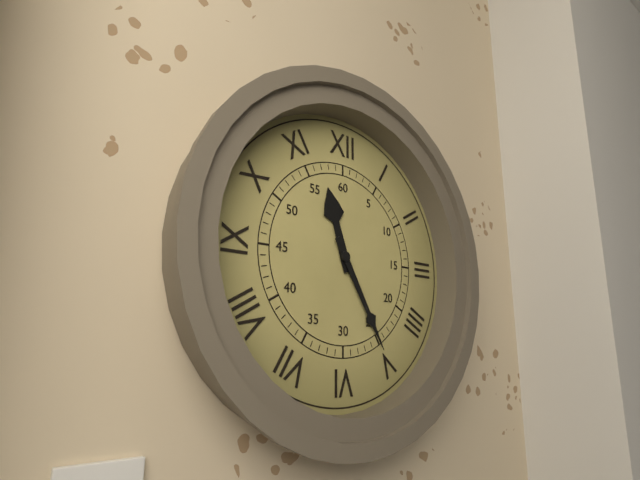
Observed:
{"hour": 11, "minute": 25}
